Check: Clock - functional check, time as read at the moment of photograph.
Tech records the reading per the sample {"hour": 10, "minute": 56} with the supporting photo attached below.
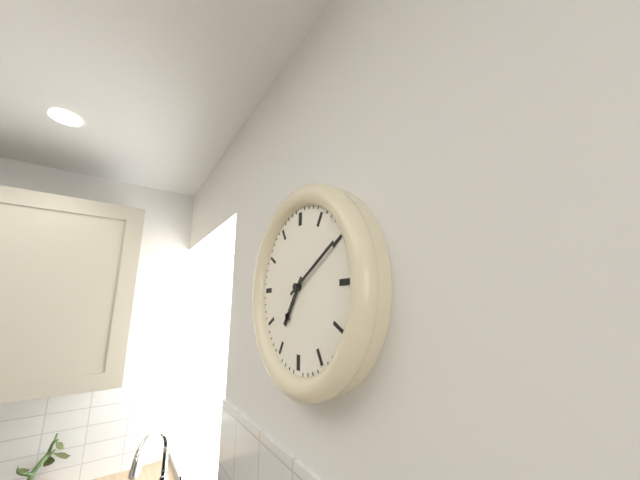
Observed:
{"hour": 7, "minute": 10}
